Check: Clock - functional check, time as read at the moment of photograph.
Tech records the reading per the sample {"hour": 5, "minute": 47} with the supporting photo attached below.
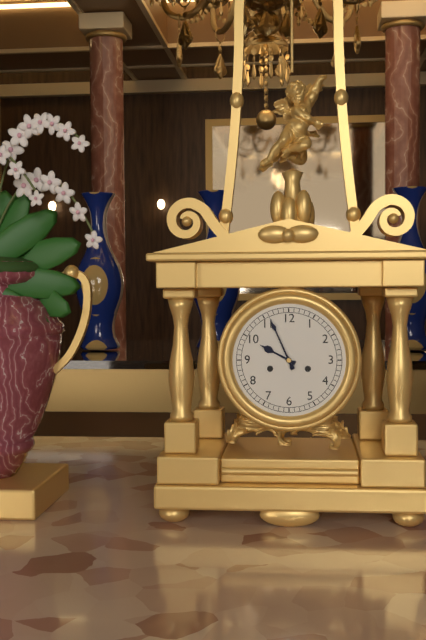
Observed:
{"hour": 9, "minute": 56}
